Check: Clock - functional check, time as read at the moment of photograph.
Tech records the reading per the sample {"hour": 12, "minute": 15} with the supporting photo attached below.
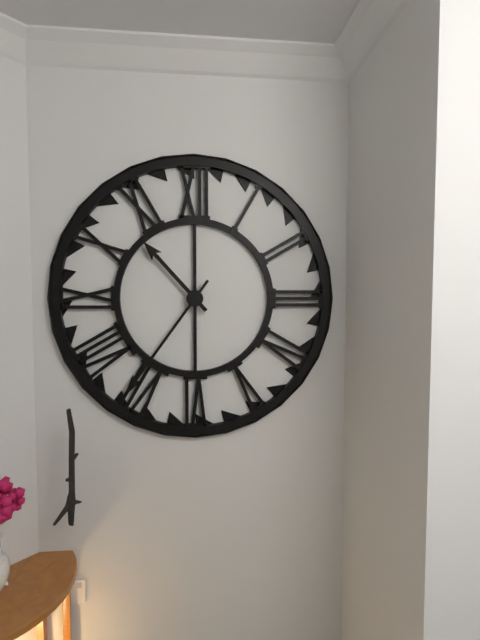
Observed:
{"hour": 10, "minute": 36}
